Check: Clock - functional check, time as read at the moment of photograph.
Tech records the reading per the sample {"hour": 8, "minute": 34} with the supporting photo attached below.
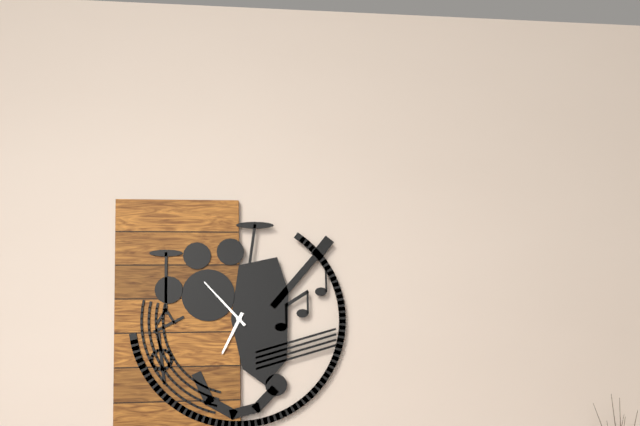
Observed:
{"hour": 6, "minute": 53}
